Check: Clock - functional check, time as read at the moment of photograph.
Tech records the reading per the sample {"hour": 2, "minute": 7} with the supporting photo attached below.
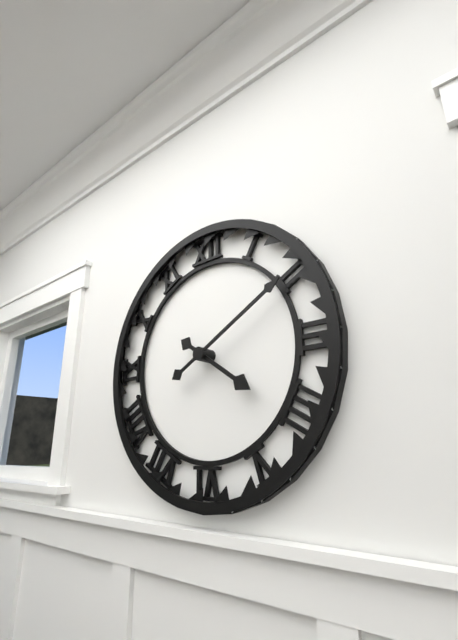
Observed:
{"hour": 4, "minute": 10}
